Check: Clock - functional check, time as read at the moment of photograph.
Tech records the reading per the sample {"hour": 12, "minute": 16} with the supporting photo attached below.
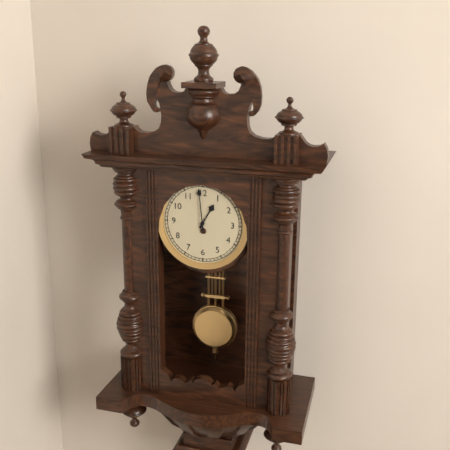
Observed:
{"hour": 12, "minute": 59}
